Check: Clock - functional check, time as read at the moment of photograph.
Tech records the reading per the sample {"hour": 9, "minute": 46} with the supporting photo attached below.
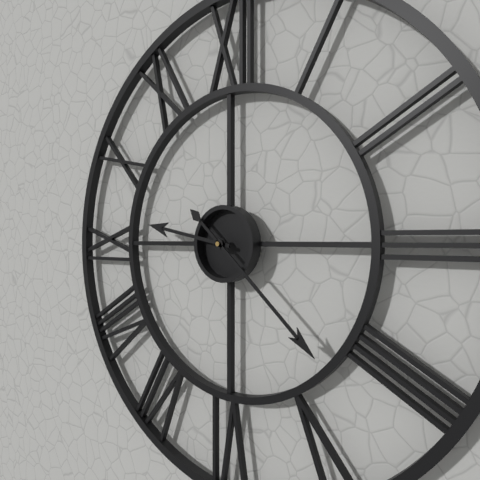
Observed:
{"hour": 9, "minute": 22}
